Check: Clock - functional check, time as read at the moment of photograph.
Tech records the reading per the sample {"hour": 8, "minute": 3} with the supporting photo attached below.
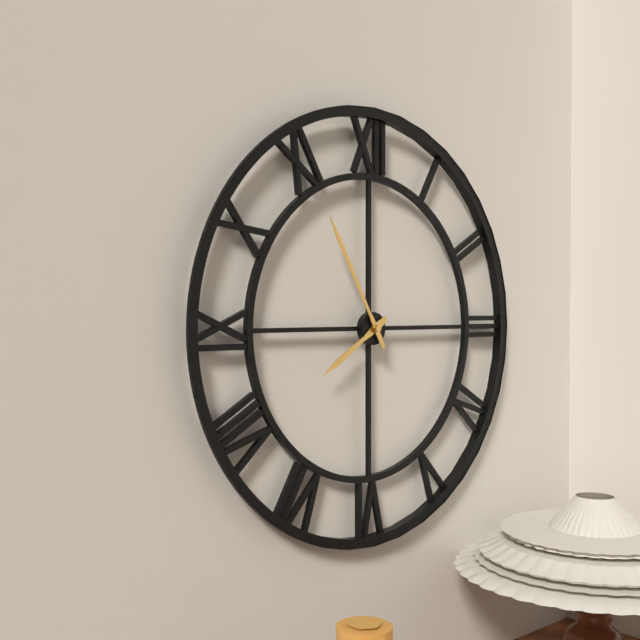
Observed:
{"hour": 7, "minute": 55}
